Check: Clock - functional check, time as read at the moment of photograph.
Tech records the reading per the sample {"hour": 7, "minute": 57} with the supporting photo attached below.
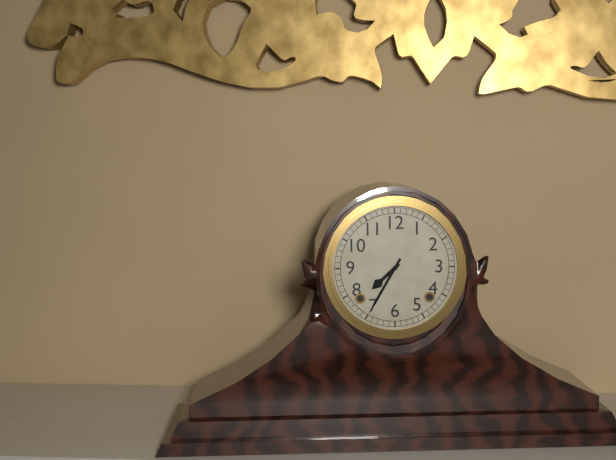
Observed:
{"hour": 7, "minute": 35}
